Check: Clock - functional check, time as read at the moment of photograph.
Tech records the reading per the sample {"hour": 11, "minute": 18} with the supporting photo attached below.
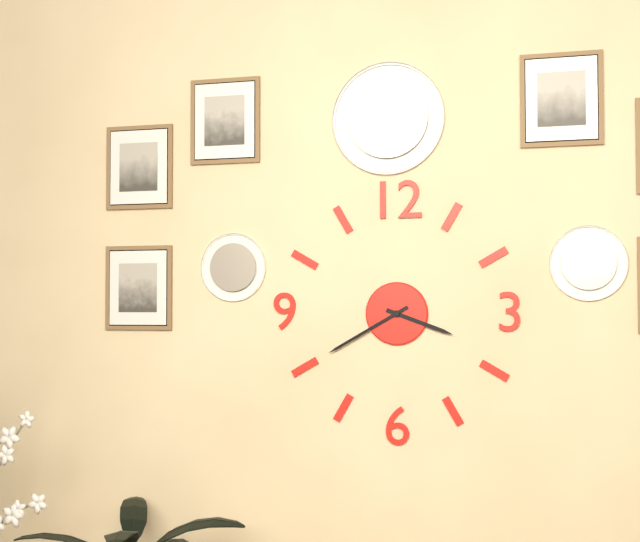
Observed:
{"hour": 3, "minute": 40}
